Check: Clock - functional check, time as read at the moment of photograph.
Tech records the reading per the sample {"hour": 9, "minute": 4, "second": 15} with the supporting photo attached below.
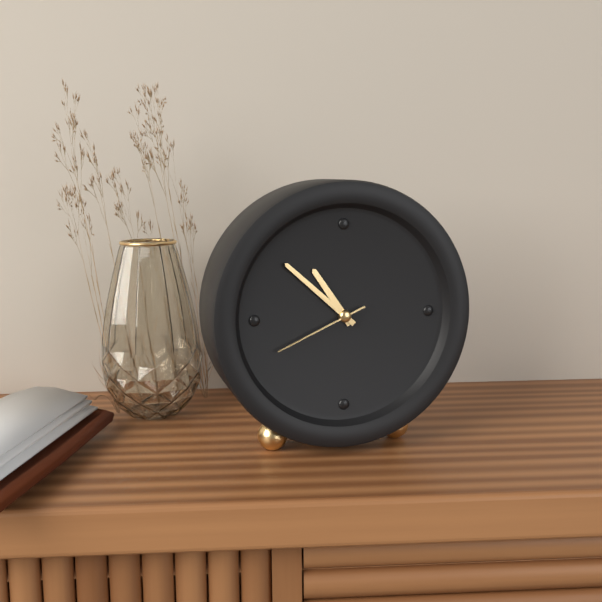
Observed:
{"hour": 10, "minute": 52, "second": 41}
